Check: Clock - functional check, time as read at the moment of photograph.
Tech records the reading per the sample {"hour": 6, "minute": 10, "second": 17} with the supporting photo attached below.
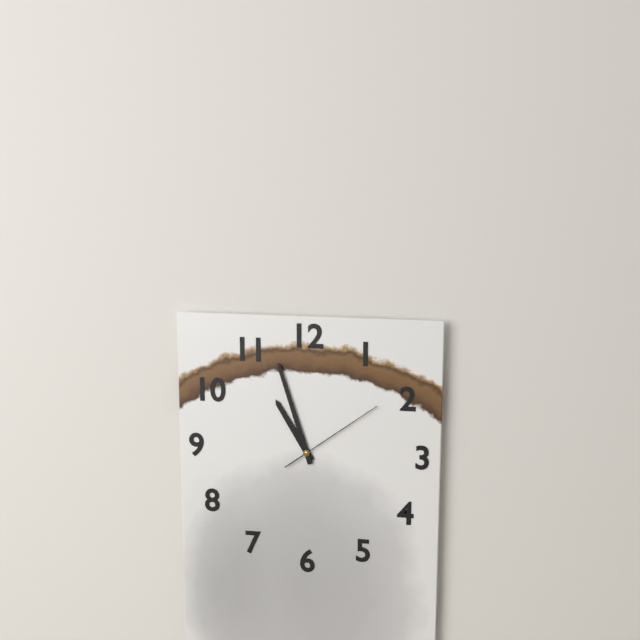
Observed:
{"hour": 10, "minute": 57, "second": 9}
